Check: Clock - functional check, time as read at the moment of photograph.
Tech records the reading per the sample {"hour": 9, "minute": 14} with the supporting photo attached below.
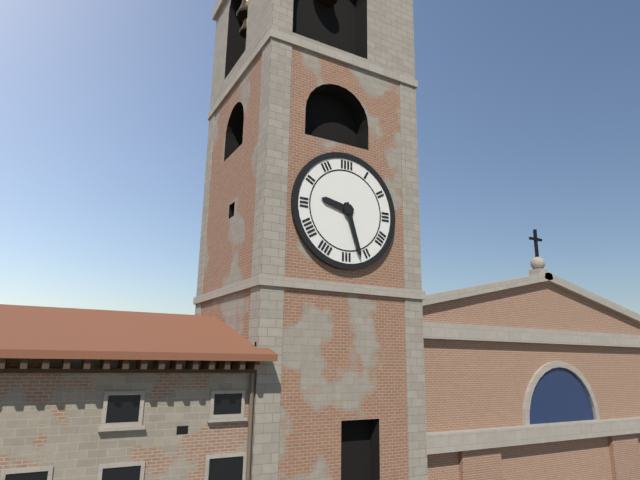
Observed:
{"hour": 9, "minute": 27}
